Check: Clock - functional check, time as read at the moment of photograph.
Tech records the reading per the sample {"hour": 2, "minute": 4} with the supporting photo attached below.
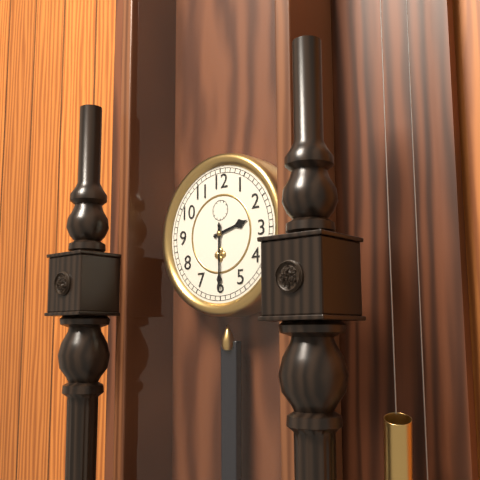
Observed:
{"hour": 2, "minute": 30}
